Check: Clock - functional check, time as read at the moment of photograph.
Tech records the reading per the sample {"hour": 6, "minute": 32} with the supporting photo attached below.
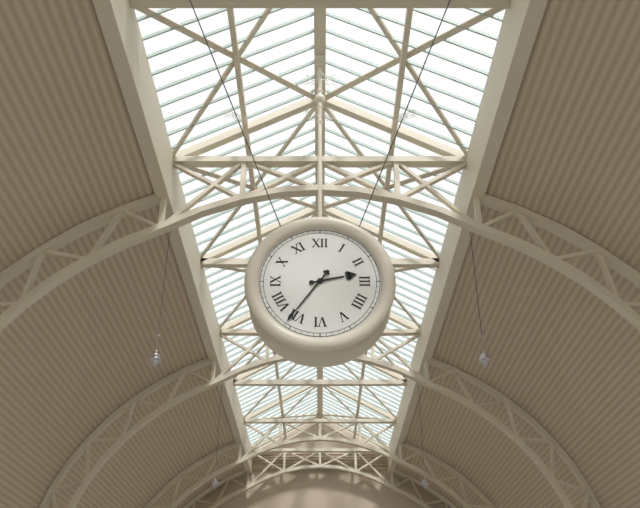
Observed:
{"hour": 2, "minute": 36}
